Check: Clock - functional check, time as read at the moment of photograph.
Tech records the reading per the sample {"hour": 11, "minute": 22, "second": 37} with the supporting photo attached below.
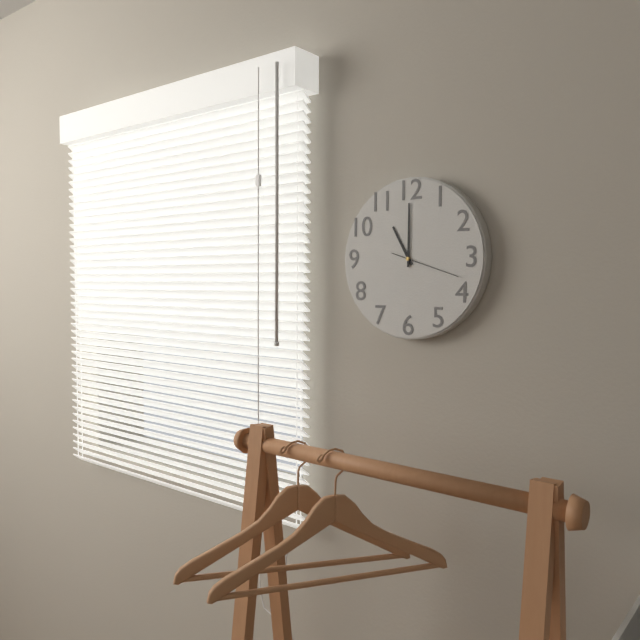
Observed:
{"hour": 11, "minute": 0, "second": 18}
